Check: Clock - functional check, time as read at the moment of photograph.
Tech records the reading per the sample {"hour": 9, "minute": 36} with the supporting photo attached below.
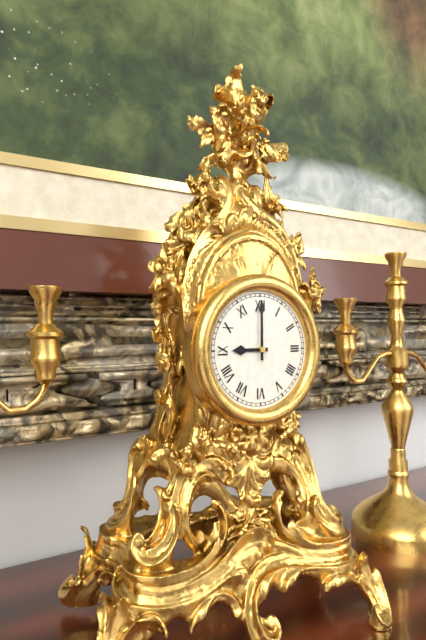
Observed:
{"hour": 9, "minute": 0}
